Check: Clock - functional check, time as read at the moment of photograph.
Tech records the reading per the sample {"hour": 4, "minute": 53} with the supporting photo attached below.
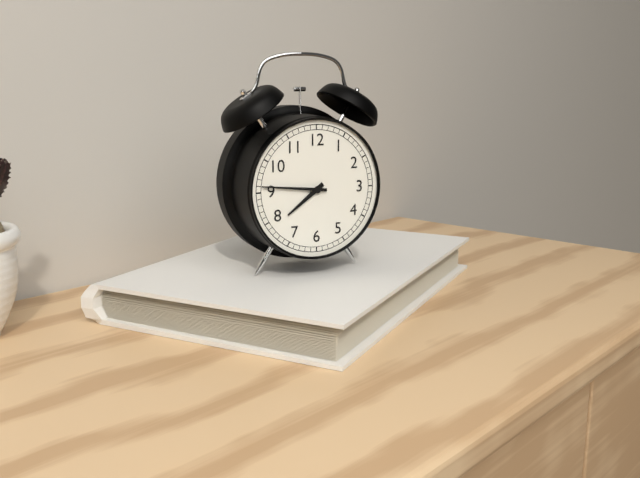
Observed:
{"hour": 7, "minute": 46}
